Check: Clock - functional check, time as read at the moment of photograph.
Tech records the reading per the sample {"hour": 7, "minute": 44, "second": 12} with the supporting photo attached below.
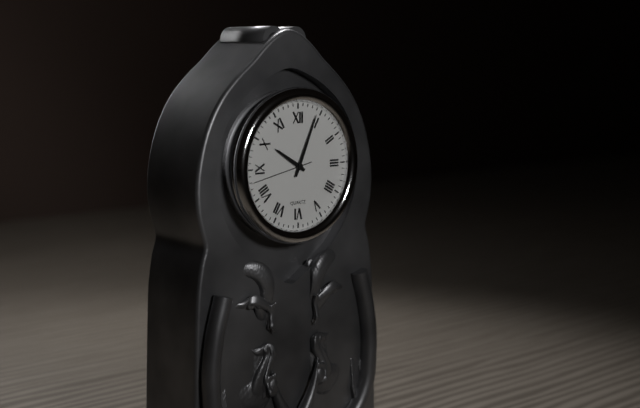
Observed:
{"hour": 10, "minute": 4, "second": 43}
